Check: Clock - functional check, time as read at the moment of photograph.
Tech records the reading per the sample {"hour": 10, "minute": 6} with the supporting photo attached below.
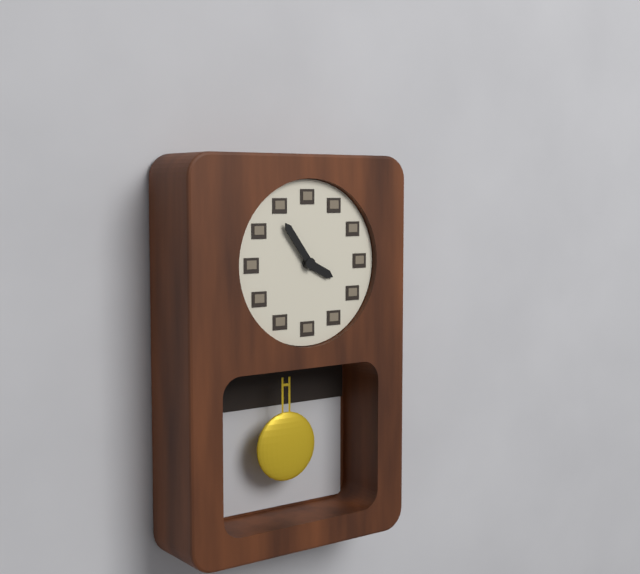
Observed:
{"hour": 3, "minute": 54}
